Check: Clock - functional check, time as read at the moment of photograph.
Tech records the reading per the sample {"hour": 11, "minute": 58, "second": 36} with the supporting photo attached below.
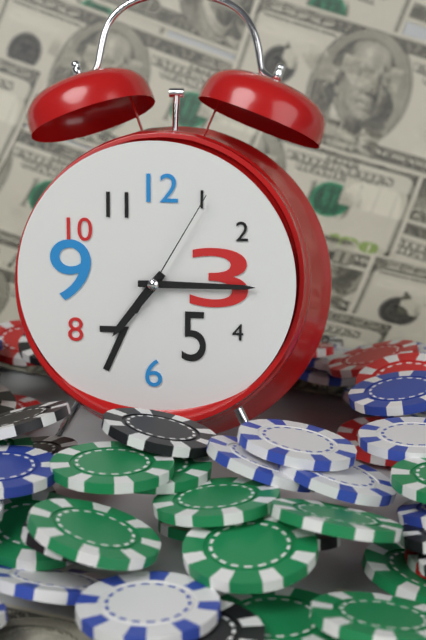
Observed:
{"hour": 7, "minute": 15, "second": 5}
